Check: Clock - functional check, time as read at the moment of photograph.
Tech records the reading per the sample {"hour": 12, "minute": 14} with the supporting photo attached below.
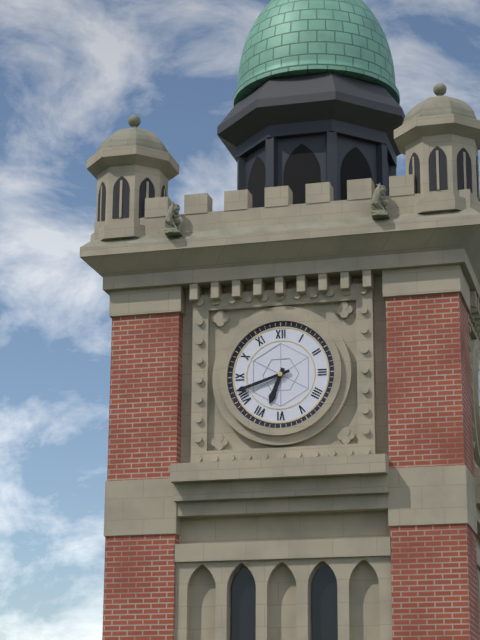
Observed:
{"hour": 6, "minute": 42}
